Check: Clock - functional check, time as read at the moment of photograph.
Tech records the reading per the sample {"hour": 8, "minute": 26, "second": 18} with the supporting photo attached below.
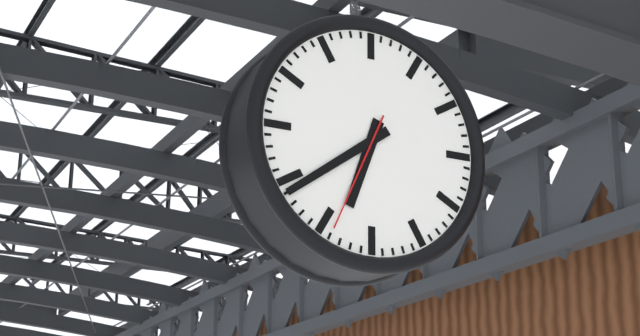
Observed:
{"hour": 6, "minute": 39, "second": 34}
